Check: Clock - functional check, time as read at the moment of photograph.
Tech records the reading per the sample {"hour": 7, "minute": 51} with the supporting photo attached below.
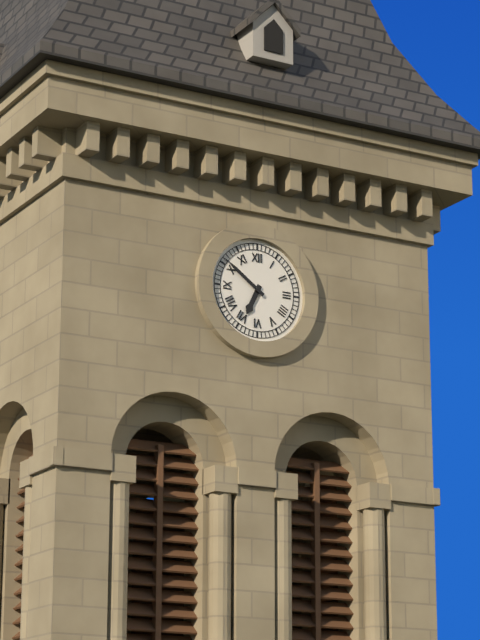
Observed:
{"hour": 6, "minute": 51}
